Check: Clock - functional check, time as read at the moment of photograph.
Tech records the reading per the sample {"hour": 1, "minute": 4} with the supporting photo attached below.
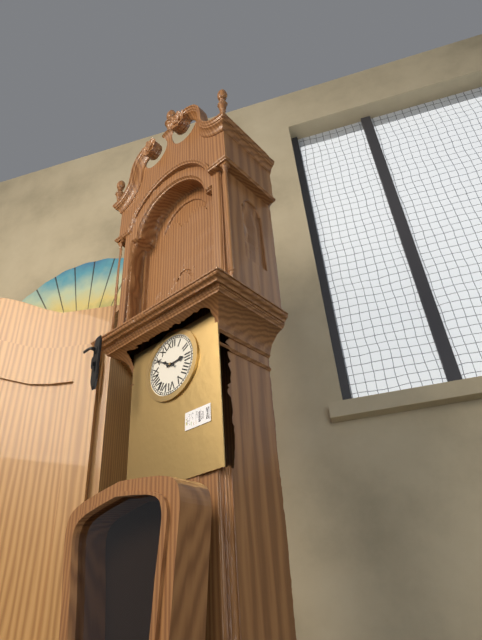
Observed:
{"hour": 2, "minute": 50}
